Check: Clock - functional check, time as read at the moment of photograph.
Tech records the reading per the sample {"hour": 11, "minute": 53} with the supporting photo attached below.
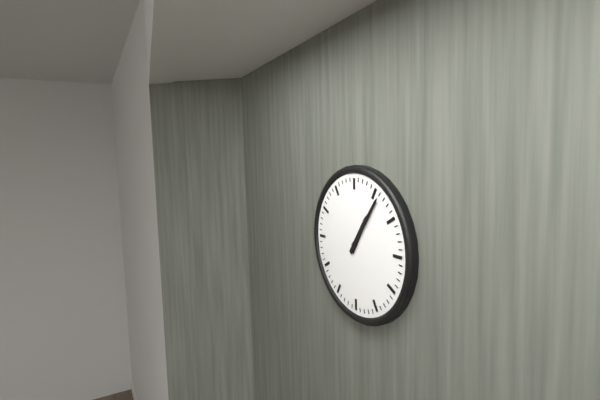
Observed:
{"hour": 1, "minute": 6}
